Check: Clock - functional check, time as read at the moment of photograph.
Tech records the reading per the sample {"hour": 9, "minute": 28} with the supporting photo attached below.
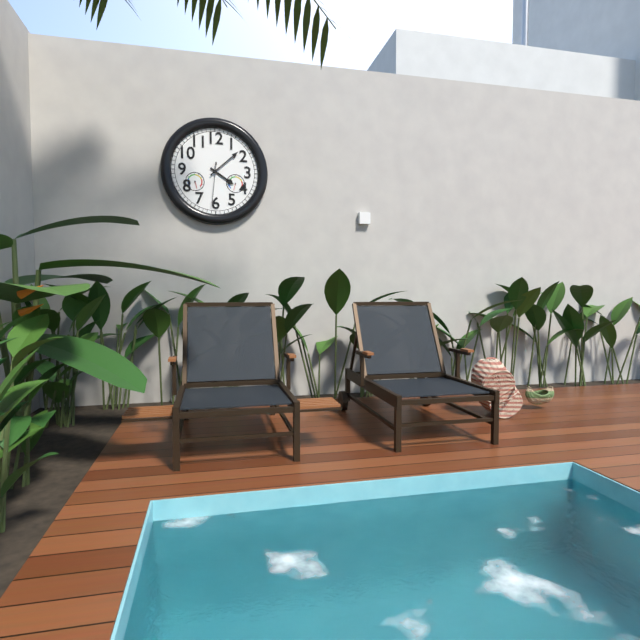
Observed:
{"hour": 4, "minute": 8}
